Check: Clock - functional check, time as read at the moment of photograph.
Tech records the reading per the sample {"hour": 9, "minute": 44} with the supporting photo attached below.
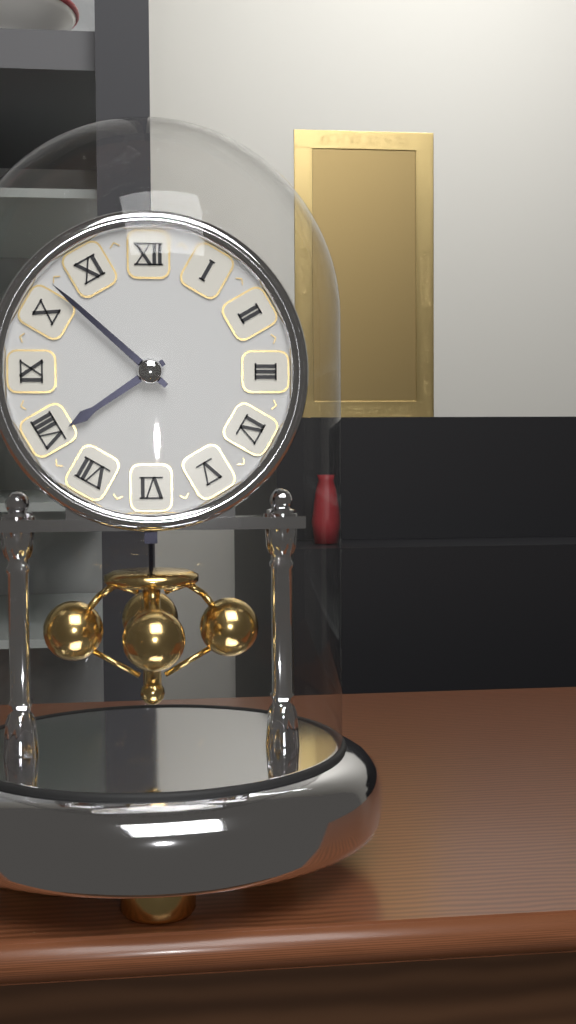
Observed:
{"hour": 7, "minute": 52}
